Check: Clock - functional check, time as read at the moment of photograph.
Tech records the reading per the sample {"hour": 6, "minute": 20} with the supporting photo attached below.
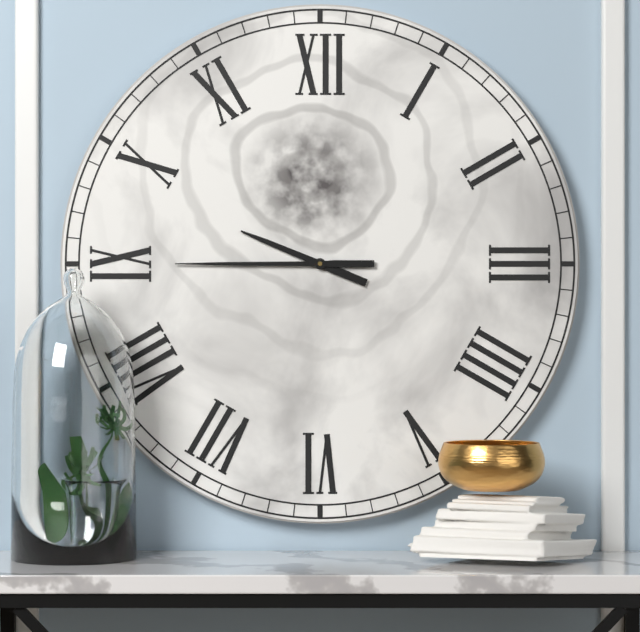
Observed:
{"hour": 9, "minute": 45}
